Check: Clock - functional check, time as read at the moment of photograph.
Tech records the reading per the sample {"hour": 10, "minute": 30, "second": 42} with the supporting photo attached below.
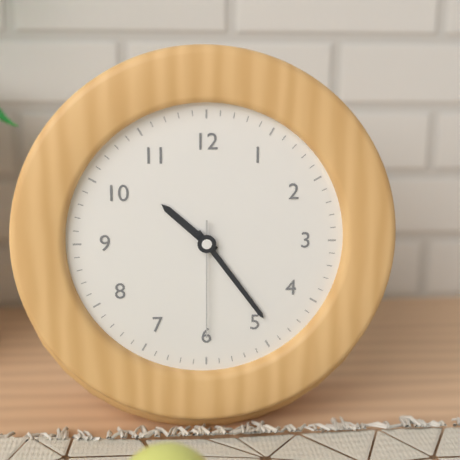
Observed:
{"hour": 10, "minute": 24, "second": 30}
